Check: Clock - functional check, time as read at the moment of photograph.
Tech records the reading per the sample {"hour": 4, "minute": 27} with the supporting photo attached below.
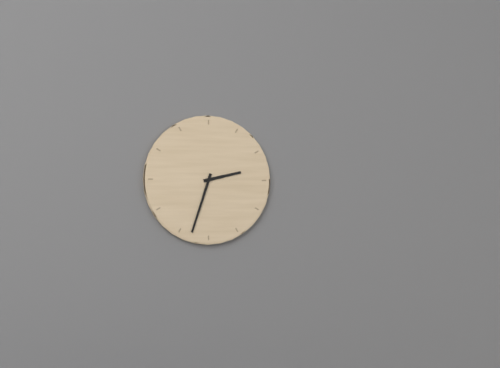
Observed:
{"hour": 2, "minute": 33}
